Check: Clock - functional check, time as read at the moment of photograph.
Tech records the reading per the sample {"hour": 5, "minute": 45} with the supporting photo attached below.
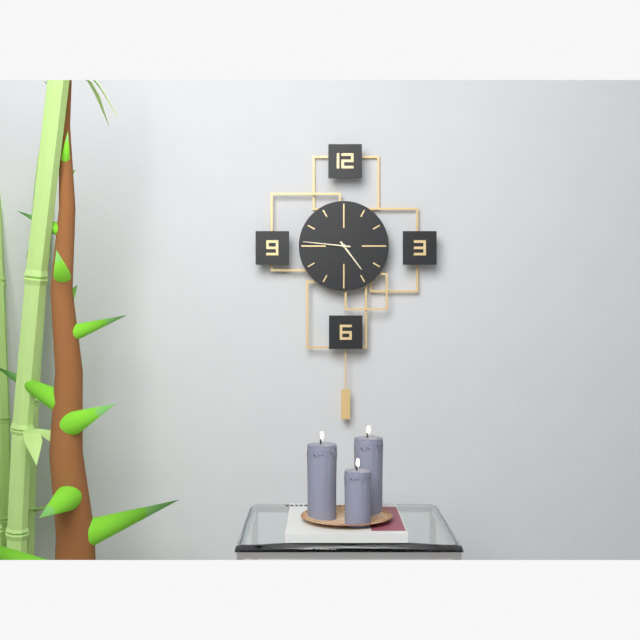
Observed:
{"hour": 4, "minute": 46}
